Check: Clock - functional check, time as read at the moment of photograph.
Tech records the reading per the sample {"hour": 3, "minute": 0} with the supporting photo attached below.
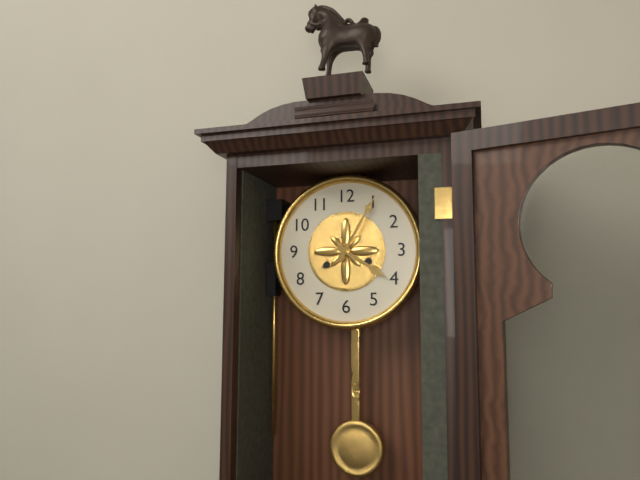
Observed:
{"hour": 4, "minute": 5}
